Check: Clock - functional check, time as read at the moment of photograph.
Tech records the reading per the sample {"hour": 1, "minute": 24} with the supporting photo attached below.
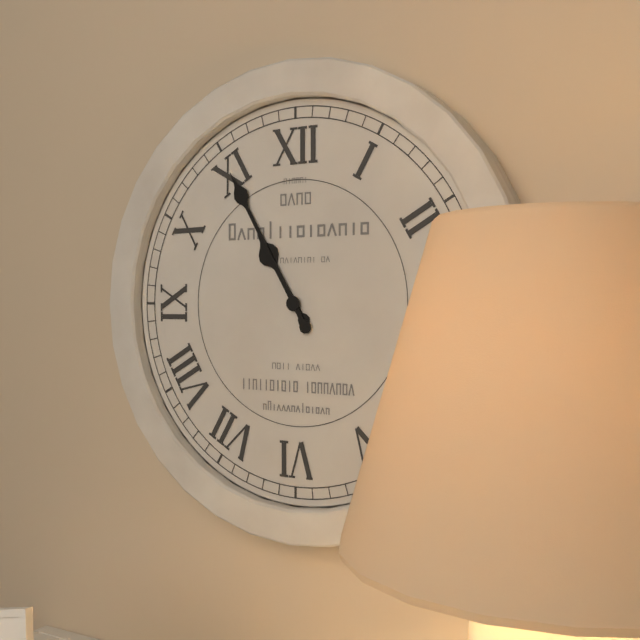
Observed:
{"hour": 10, "minute": 55}
